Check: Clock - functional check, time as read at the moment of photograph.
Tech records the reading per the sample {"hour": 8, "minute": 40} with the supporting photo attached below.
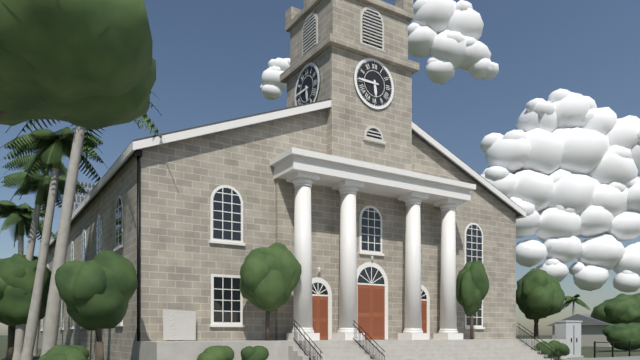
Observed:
{"hour": 5, "minute": 45}
